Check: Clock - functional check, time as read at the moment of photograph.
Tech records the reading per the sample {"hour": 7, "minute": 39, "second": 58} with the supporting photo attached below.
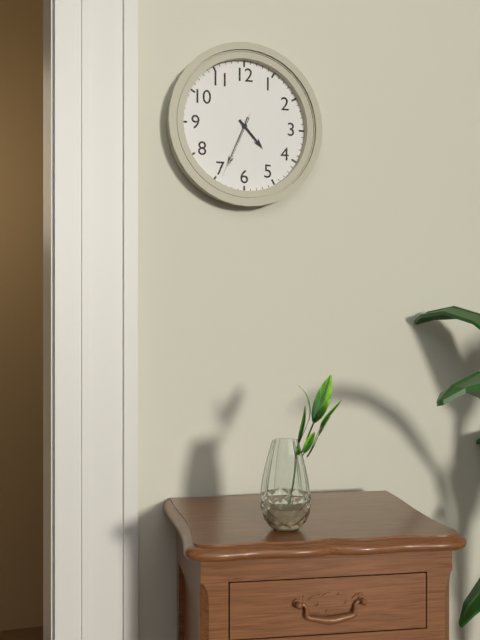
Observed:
{"hour": 4, "minute": 34, "second": 34}
